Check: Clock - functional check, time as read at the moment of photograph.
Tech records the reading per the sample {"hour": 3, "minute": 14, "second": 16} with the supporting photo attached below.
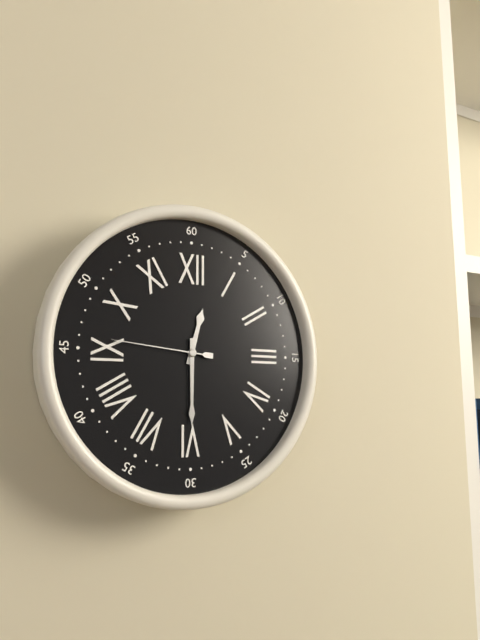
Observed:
{"hour": 12, "minute": 30, "second": 46}
